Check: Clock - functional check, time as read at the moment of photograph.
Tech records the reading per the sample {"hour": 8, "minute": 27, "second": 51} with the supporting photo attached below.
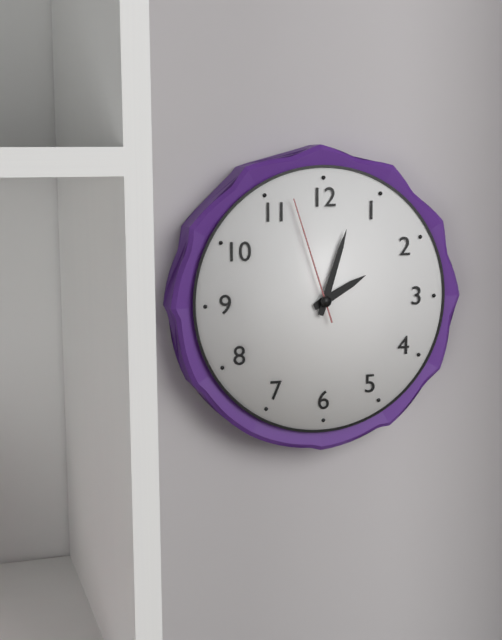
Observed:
{"hour": 2, "minute": 3, "second": 57}
